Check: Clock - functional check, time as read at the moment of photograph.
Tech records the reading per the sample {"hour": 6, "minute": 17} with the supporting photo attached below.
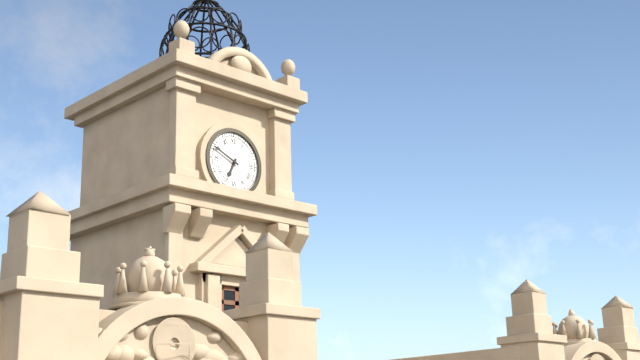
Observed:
{"hour": 6, "minute": 49}
